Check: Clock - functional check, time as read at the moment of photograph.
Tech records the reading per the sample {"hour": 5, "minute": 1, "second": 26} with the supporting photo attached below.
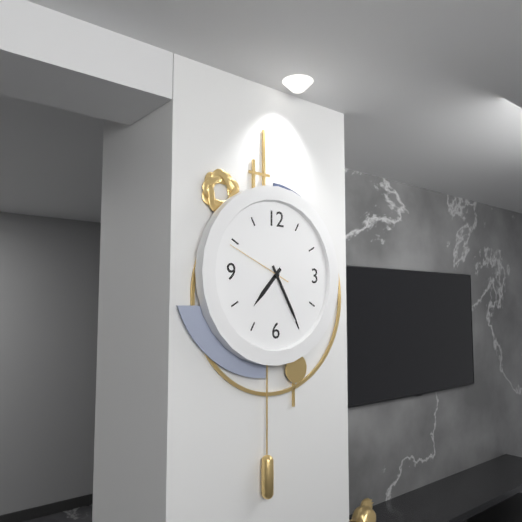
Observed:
{"hour": 7, "minute": 25, "second": 49}
